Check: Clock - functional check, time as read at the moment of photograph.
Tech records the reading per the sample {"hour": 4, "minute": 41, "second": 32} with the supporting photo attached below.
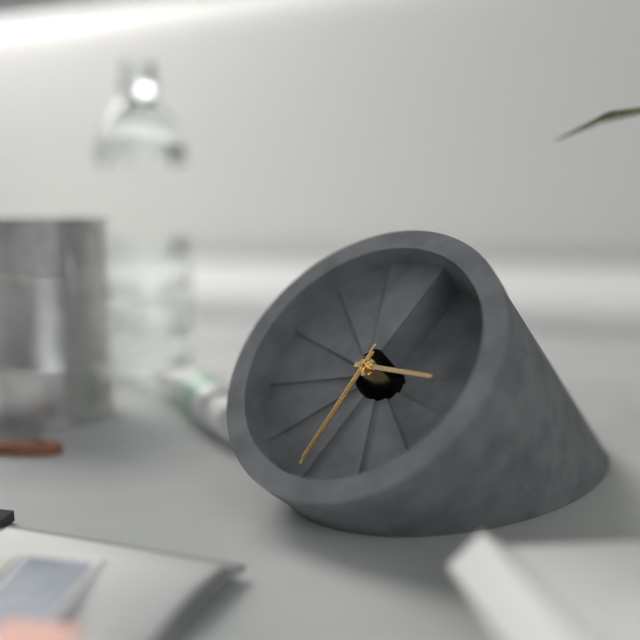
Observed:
{"hour": 2, "minute": 29, "second": 29}
